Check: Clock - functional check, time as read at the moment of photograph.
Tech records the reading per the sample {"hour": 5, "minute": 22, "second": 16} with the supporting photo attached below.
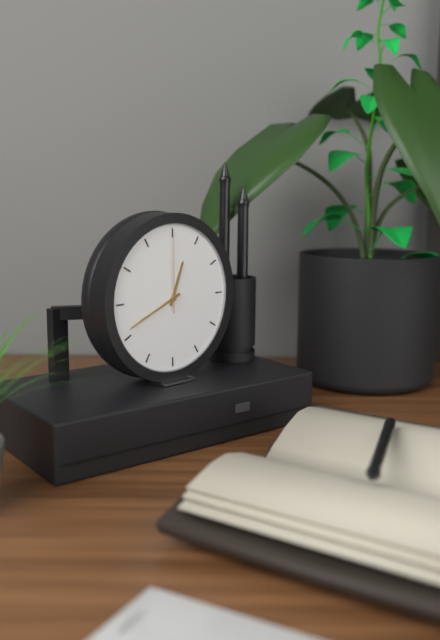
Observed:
{"hour": 12, "minute": 41, "second": 0}
